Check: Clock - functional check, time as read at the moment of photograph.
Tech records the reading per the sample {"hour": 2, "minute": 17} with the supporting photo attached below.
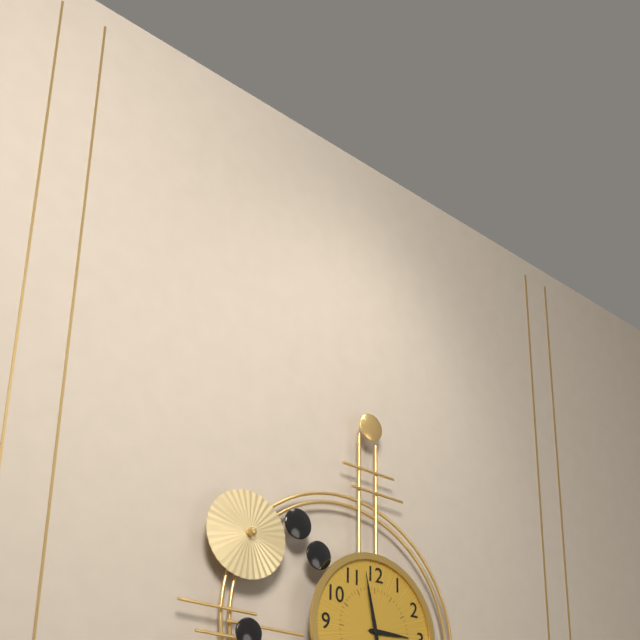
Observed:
{"hour": 2, "minute": 58}
